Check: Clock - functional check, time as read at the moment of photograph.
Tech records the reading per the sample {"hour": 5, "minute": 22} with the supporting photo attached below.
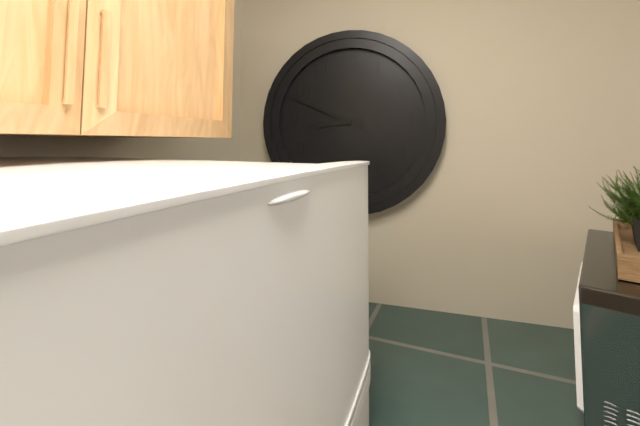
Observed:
{"hour": 8, "minute": 49}
